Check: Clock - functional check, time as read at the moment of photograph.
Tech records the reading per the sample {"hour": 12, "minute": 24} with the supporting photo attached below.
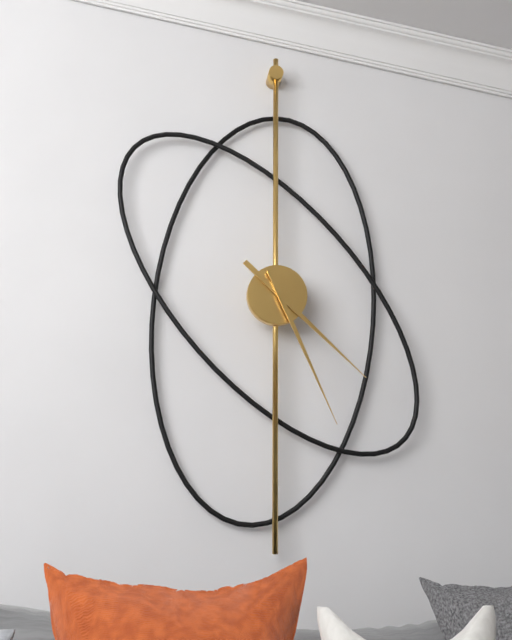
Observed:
{"hour": 4, "minute": 26}
